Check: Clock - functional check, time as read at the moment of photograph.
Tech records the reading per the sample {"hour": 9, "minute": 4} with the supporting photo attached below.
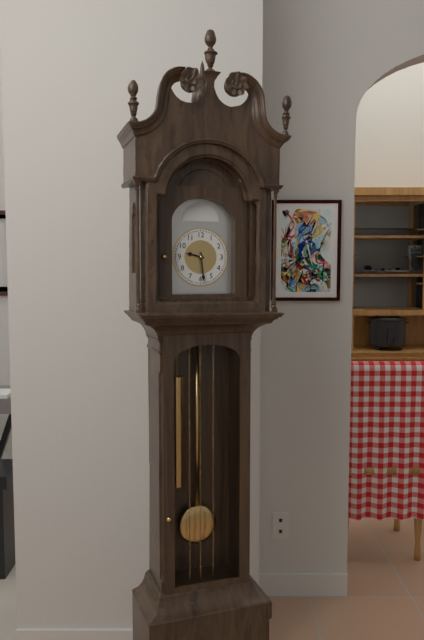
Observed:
{"hour": 9, "minute": 29}
